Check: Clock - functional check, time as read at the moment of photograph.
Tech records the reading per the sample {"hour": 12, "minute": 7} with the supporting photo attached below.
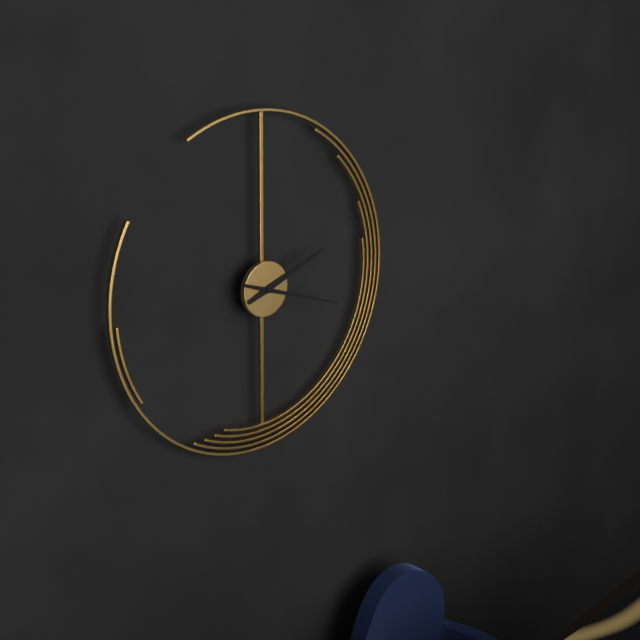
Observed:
{"hour": 2, "minute": 18}
